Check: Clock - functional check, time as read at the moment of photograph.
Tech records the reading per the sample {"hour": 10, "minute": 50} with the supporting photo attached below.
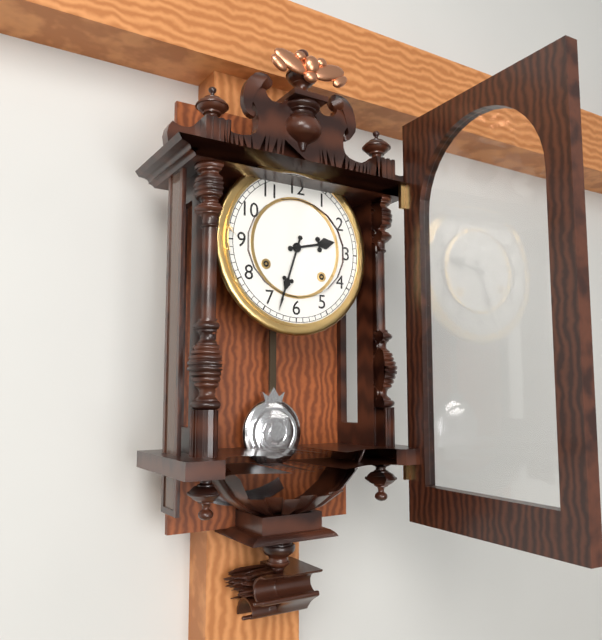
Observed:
{"hour": 2, "minute": 33}
